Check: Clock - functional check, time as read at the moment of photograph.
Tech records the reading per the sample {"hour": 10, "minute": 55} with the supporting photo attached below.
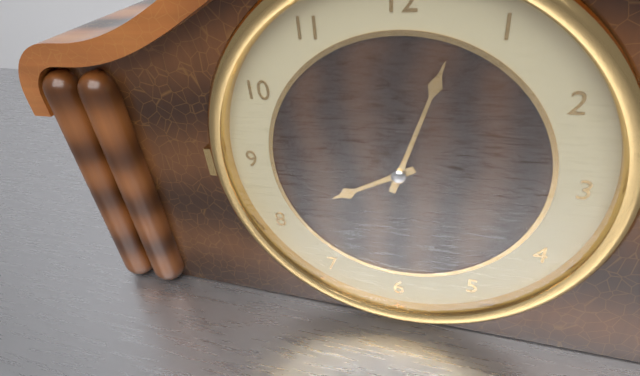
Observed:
{"hour": 8, "minute": 3}
